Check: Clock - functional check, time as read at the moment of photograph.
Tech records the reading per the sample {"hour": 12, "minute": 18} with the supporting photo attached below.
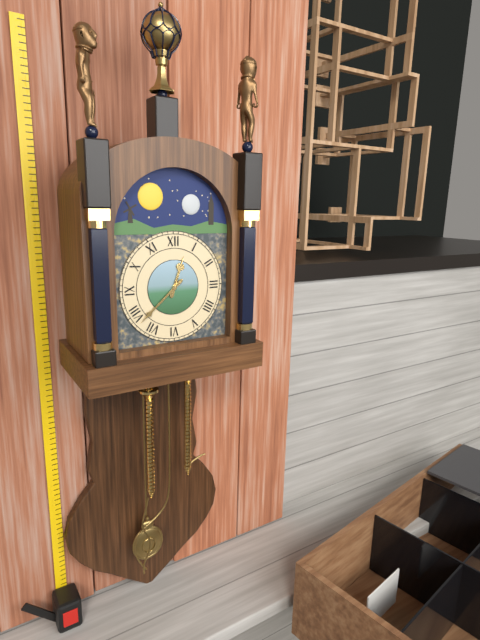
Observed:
{"hour": 12, "minute": 38}
